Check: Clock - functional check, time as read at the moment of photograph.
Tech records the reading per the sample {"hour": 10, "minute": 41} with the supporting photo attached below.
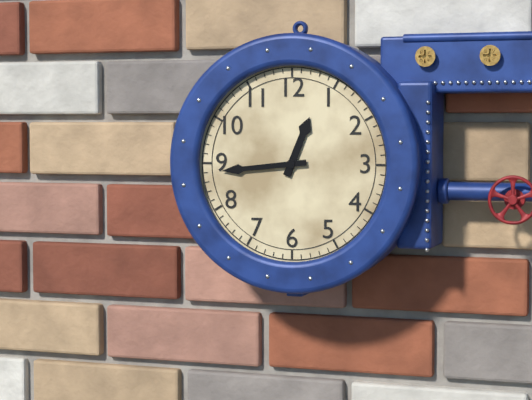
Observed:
{"hour": 12, "minute": 44}
